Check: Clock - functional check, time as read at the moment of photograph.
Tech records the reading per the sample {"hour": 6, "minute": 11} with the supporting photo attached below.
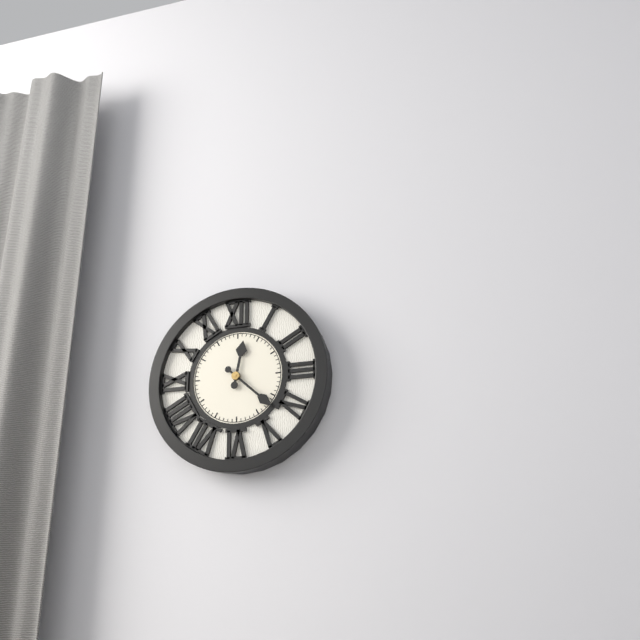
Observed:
{"hour": 12, "minute": 22}
